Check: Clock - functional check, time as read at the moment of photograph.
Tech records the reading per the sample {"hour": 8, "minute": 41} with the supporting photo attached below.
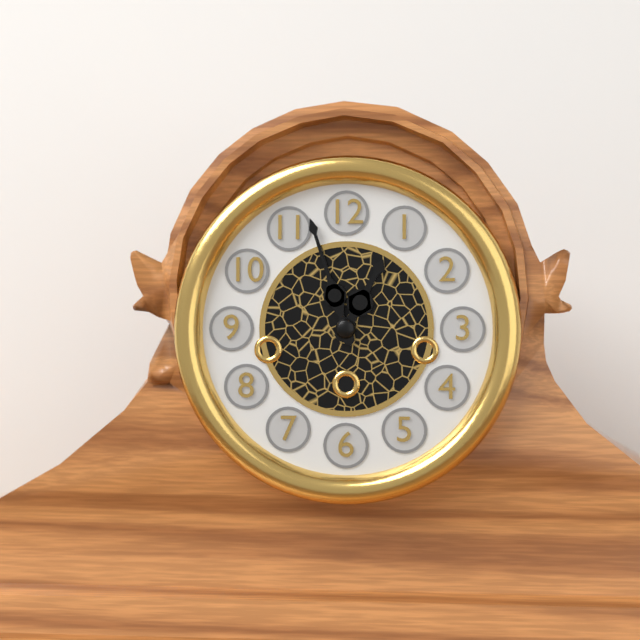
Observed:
{"hour": 12, "minute": 57}
